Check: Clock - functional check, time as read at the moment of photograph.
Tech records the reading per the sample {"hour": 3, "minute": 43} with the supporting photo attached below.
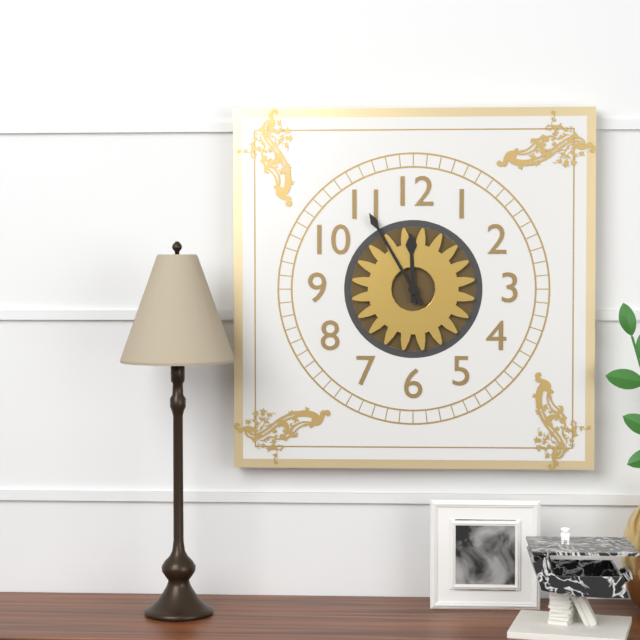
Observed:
{"hour": 11, "minute": 55}
